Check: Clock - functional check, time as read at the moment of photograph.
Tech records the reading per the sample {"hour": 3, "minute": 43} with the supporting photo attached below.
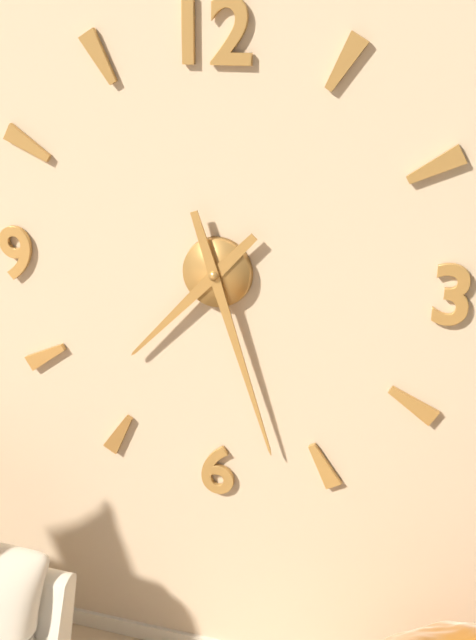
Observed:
{"hour": 7, "minute": 27}
